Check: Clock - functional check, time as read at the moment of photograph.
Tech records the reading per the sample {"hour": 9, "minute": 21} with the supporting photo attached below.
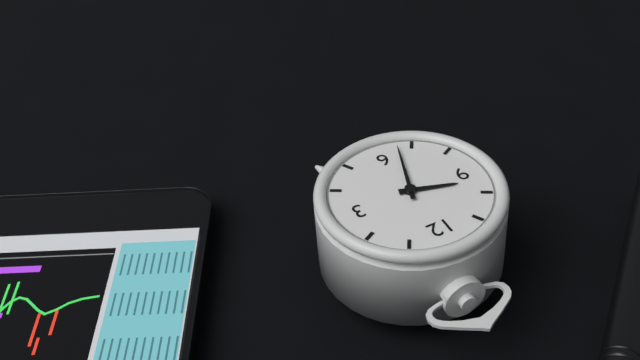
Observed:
{"hour": 9, "minute": 33}
